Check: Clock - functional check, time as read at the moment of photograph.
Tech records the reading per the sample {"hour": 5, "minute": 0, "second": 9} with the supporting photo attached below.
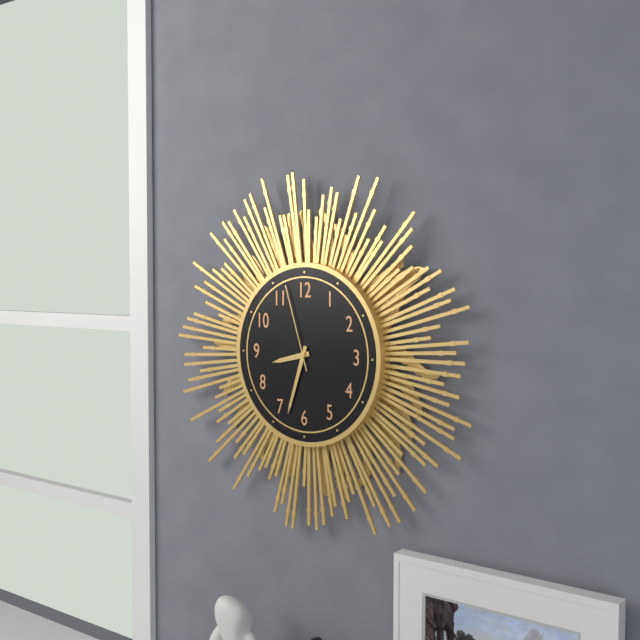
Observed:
{"hour": 8, "minute": 33, "second": 57}
